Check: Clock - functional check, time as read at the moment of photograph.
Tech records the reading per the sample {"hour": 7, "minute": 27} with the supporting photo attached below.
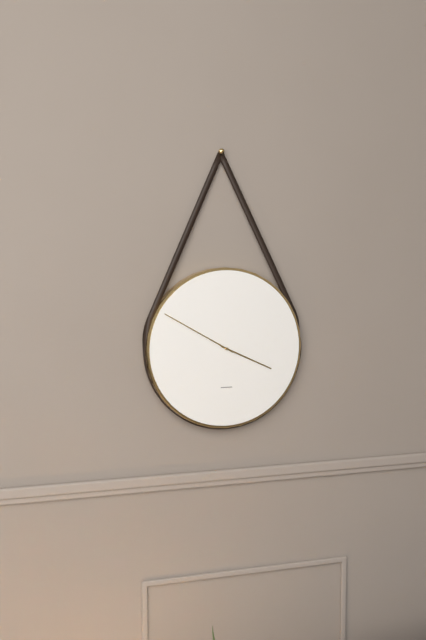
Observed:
{"hour": 3, "minute": 50}
